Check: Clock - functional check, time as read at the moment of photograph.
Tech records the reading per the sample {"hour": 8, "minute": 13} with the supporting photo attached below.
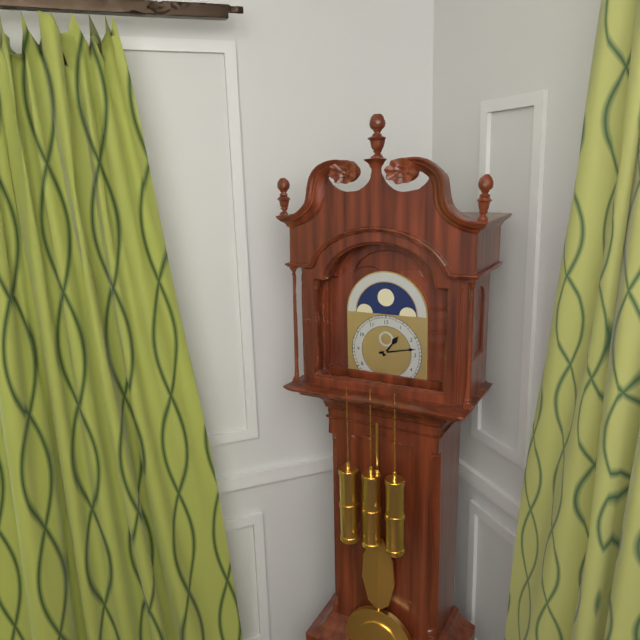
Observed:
{"hour": 1, "minute": 13}
